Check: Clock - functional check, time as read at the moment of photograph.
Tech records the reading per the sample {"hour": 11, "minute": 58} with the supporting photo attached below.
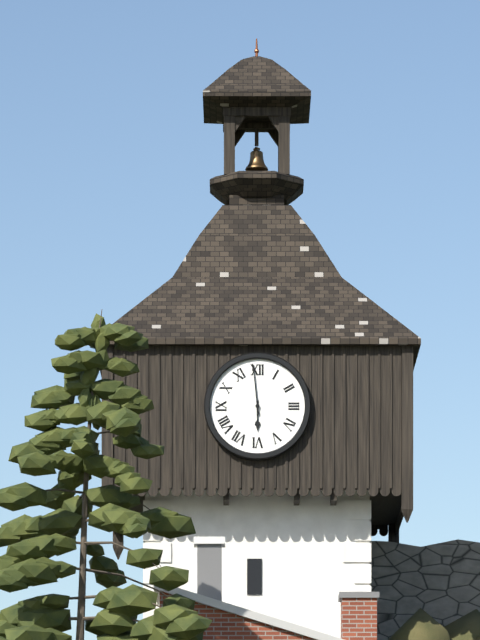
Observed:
{"hour": 5, "minute": 59}
